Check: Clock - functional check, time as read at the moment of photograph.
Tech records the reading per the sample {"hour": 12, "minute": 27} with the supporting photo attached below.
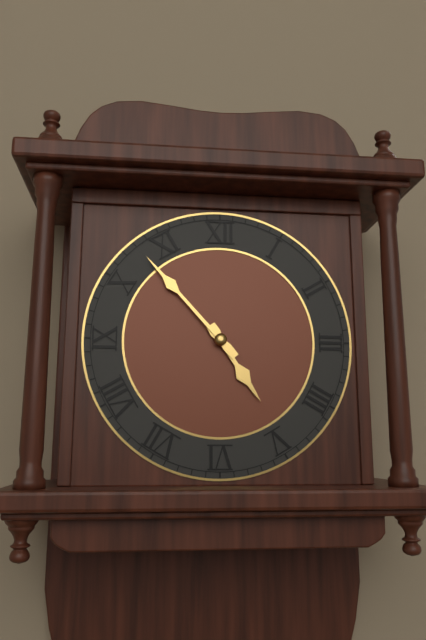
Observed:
{"hour": 4, "minute": 53}
